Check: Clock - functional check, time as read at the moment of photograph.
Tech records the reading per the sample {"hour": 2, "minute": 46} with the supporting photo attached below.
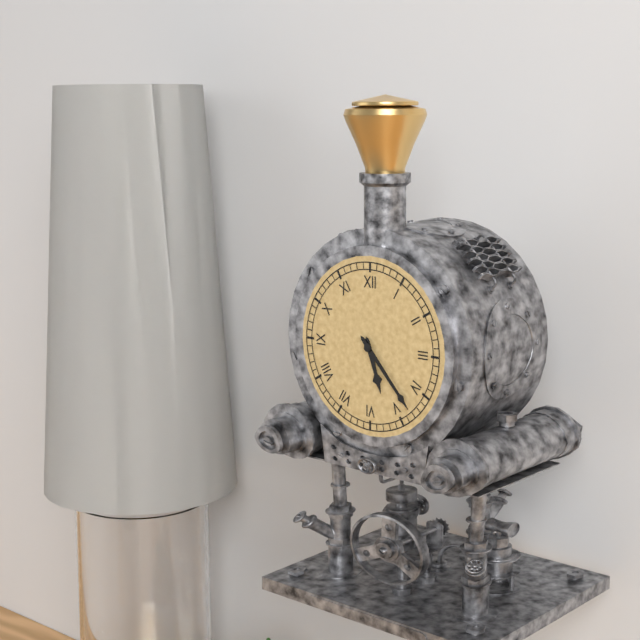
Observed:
{"hour": 5, "minute": 23}
